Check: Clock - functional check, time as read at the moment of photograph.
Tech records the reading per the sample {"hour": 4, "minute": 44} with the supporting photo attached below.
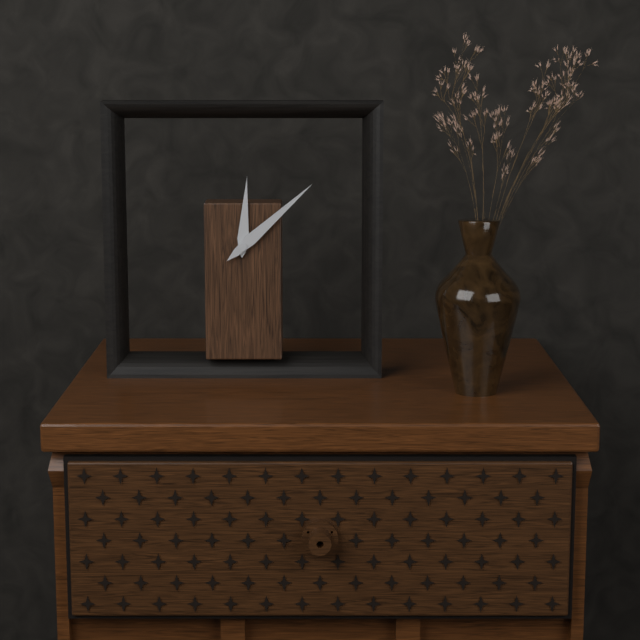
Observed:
{"hour": 12, "minute": 8}
